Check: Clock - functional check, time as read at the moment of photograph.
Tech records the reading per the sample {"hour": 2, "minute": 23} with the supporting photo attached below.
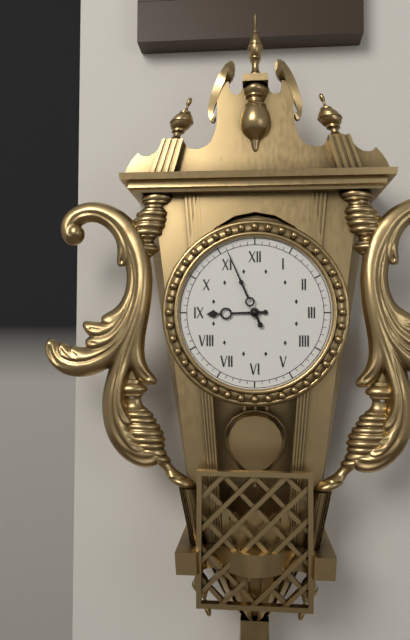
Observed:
{"hour": 8, "minute": 56}
